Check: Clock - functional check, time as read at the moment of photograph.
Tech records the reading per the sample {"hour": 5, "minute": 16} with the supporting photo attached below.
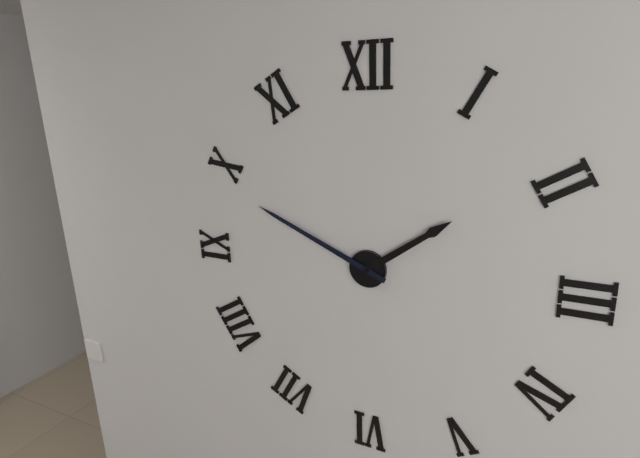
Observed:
{"hour": 1, "minute": 49}
